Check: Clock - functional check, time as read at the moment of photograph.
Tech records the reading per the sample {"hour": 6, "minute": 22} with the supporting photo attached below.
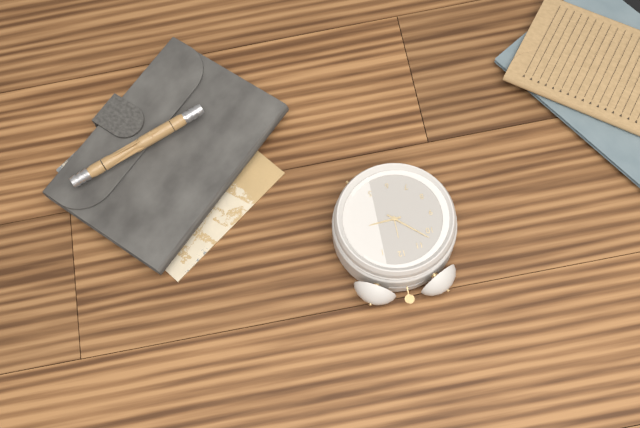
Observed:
{"hour": 2, "minute": 52}
